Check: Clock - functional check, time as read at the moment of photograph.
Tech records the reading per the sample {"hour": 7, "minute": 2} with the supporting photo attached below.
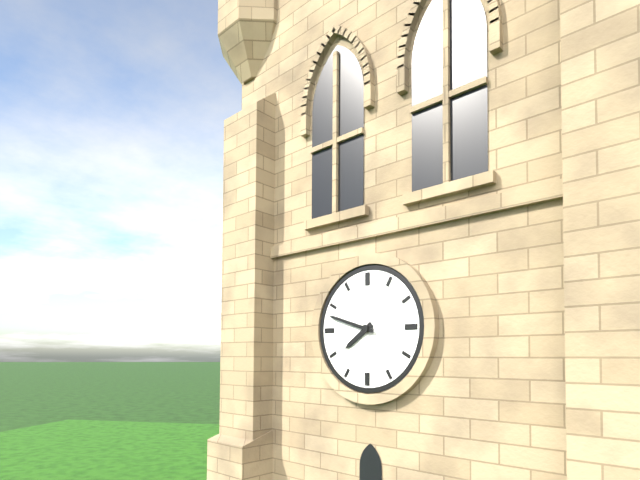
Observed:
{"hour": 7, "minute": 48}
